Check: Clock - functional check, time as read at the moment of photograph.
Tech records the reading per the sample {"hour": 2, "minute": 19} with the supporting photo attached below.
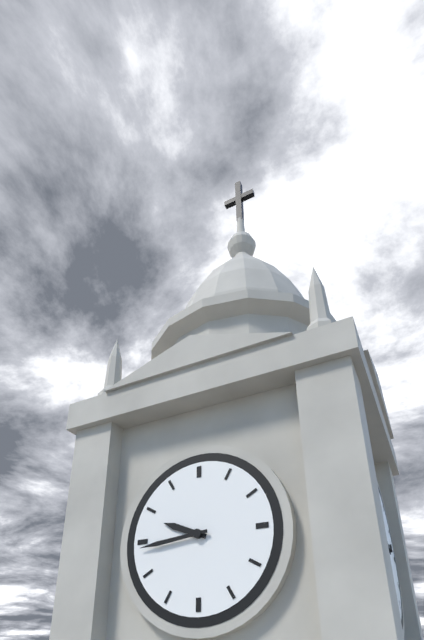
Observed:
{"hour": 9, "minute": 44}
